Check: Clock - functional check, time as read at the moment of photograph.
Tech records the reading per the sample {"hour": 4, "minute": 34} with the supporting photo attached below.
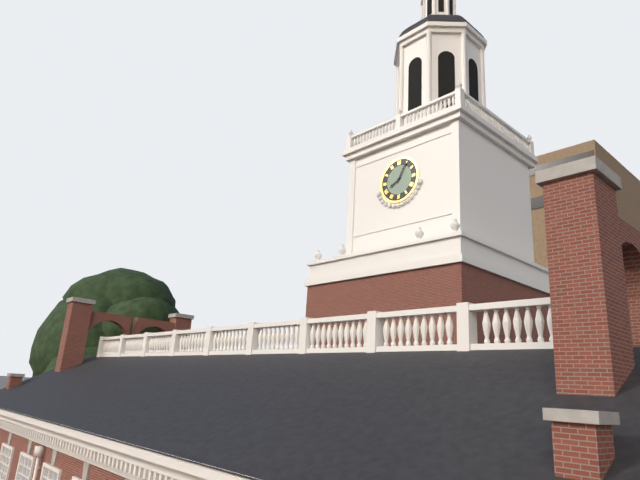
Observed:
{"hour": 8, "minute": 5}
